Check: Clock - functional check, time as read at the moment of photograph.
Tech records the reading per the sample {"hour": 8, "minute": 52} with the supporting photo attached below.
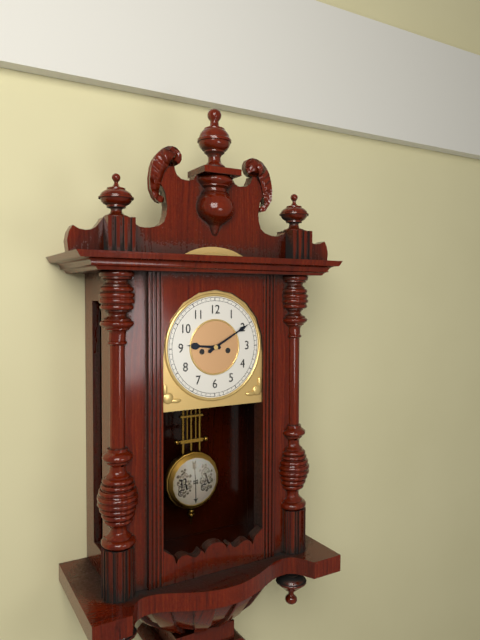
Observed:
{"hour": 9, "minute": 10}
